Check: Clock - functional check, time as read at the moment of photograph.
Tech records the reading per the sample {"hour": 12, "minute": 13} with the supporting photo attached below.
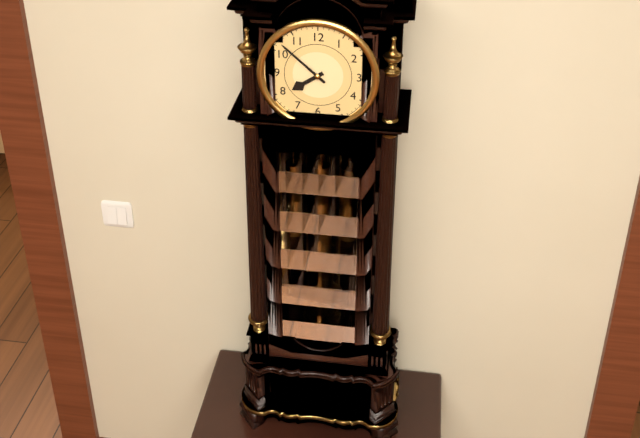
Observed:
{"hour": 7, "minute": 52}
